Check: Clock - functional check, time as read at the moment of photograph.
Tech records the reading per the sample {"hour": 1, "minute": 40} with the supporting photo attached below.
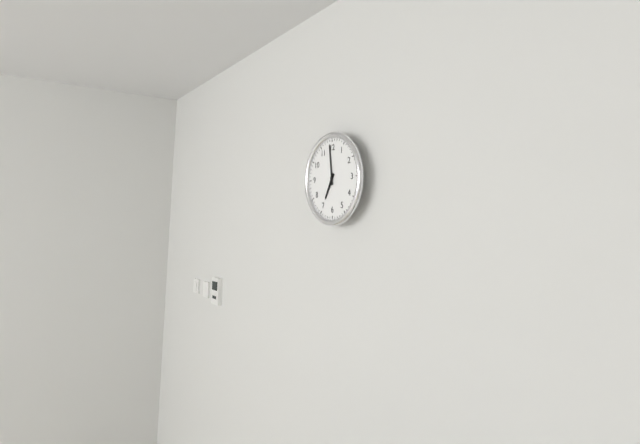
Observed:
{"hour": 6, "minute": 59}
